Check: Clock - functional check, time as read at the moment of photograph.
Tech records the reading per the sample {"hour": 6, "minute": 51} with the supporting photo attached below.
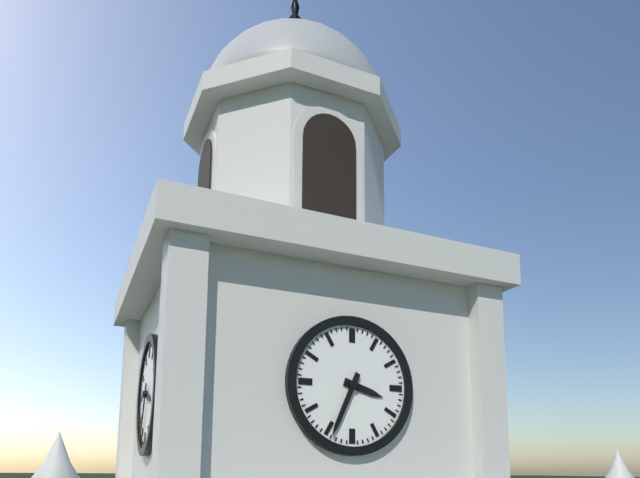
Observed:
{"hour": 3, "minute": 34}
